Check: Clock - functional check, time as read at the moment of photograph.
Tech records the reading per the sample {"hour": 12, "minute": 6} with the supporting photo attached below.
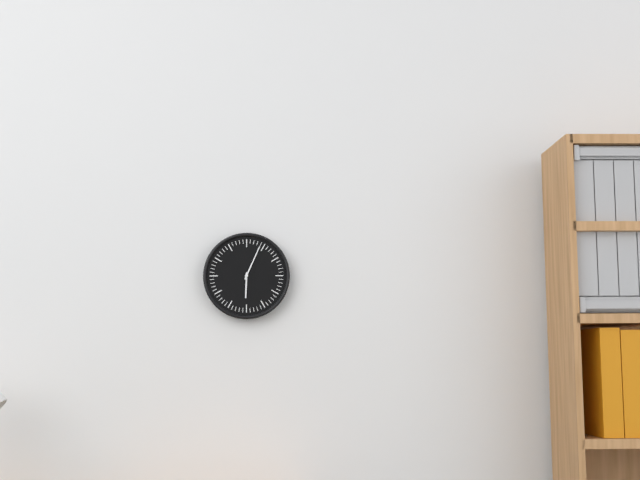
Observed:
{"hour": 6, "minute": 4}
